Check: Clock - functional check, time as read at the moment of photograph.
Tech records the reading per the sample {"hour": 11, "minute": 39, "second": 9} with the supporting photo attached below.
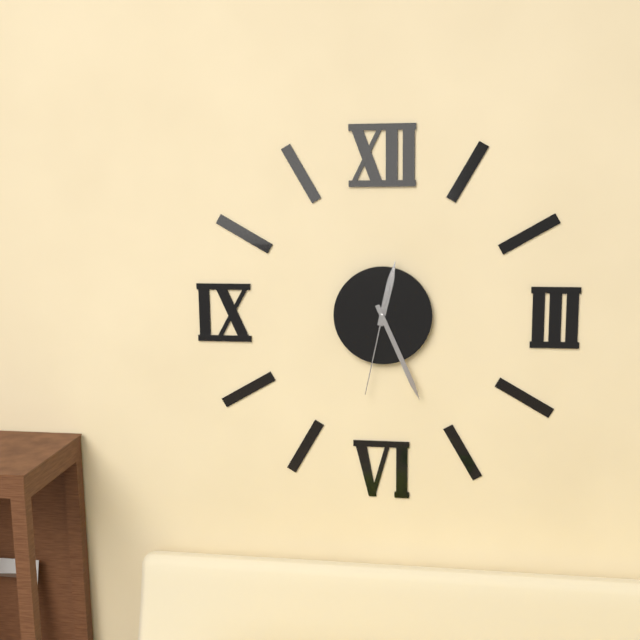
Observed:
{"hour": 12, "minute": 26, "second": 32}
